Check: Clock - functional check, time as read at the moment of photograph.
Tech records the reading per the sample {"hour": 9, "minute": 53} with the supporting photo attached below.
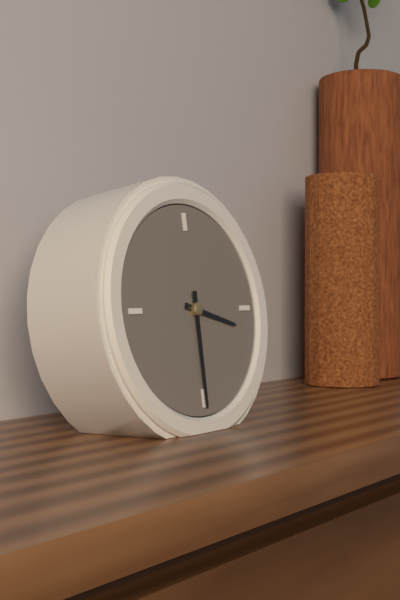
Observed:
{"hour": 3, "minute": 30}
